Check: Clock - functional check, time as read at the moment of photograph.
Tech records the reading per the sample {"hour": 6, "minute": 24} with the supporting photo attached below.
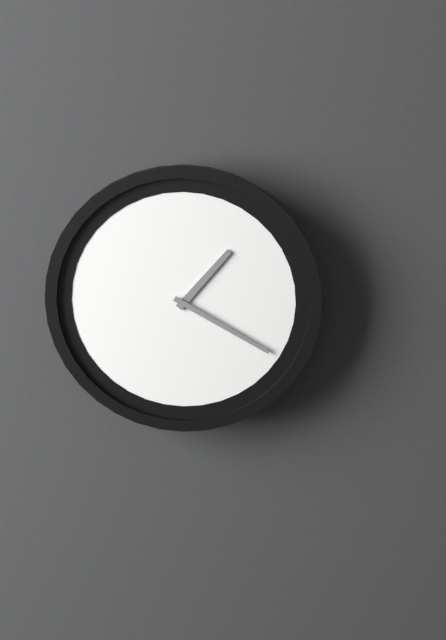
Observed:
{"hour": 1, "minute": 20}
